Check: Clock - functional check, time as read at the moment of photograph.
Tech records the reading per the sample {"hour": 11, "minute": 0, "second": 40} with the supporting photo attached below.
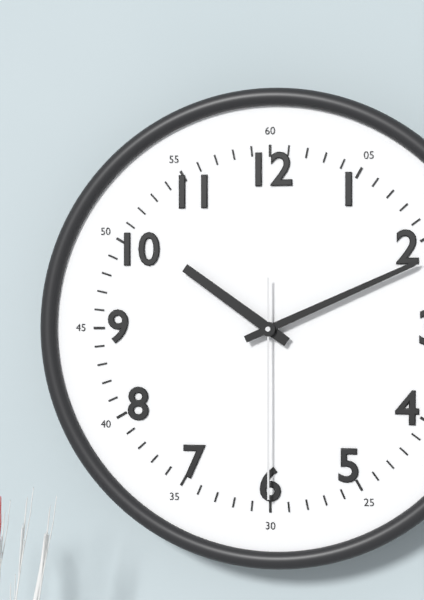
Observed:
{"hour": 10, "minute": 11, "second": 30}
